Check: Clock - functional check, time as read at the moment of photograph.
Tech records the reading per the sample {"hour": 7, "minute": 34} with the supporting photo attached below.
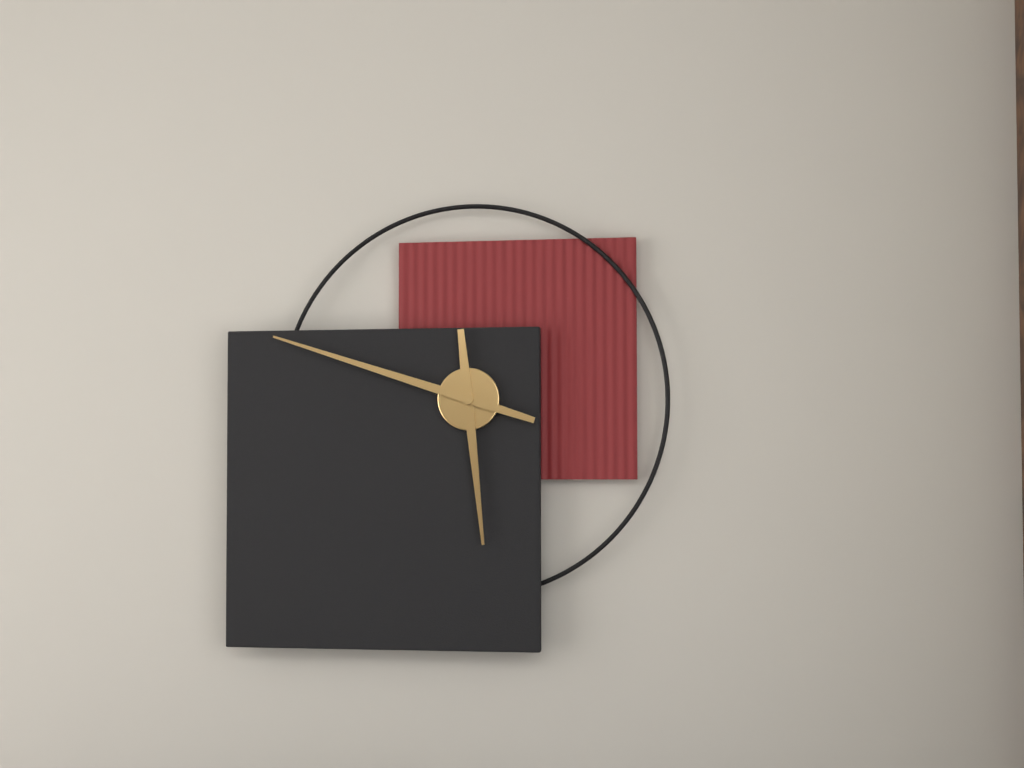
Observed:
{"hour": 5, "minute": 48}
